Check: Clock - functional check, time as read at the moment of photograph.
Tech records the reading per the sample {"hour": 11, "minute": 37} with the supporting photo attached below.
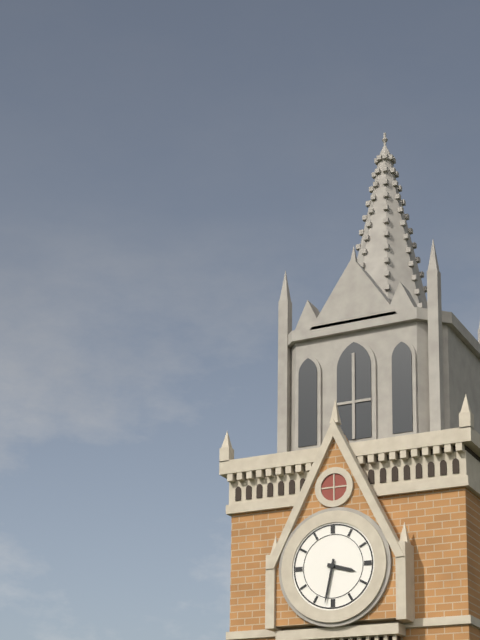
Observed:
{"hour": 3, "minute": 32}
